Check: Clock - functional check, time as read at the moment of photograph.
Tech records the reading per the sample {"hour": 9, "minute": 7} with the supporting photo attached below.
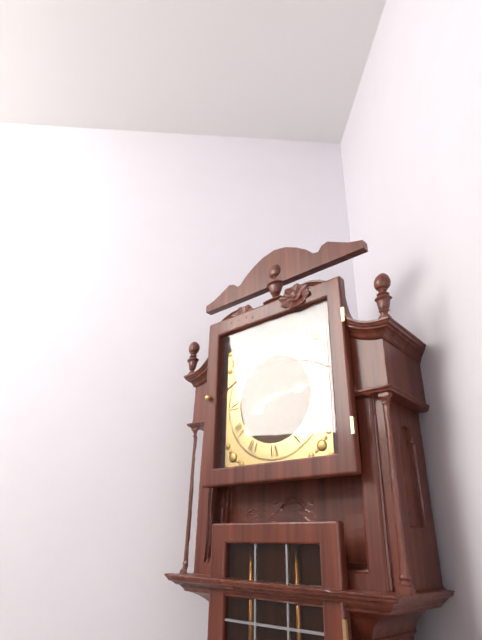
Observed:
{"hour": 8, "minute": 14}
